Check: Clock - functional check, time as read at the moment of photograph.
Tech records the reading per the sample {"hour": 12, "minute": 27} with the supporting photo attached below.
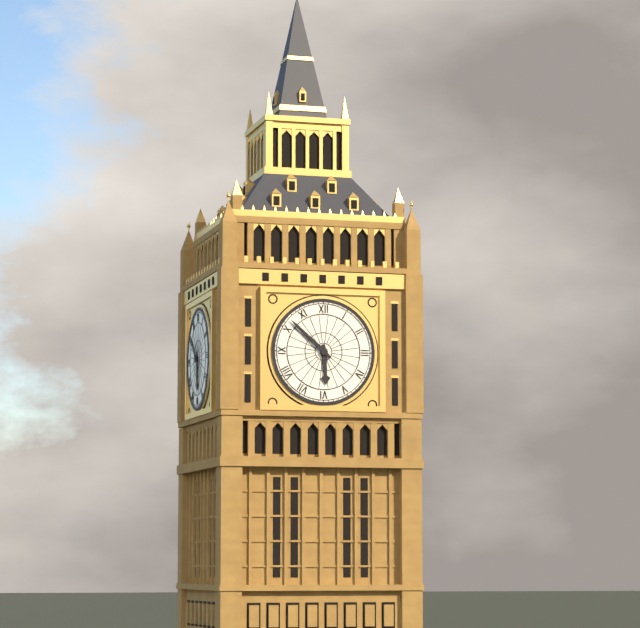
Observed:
{"hour": 5, "minute": 52}
